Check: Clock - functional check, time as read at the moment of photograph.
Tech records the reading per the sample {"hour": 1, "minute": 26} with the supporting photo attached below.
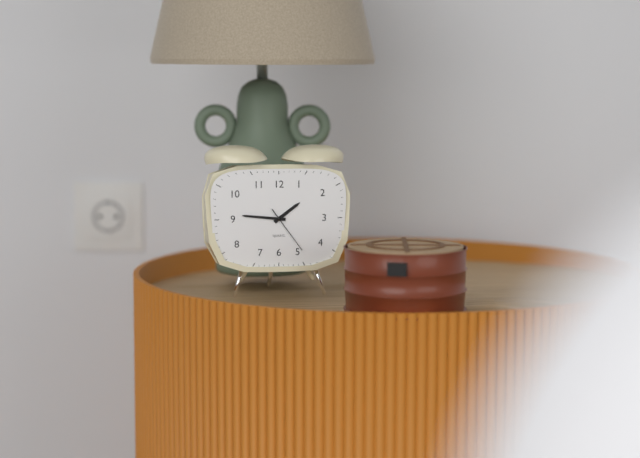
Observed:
{"hour": 1, "minute": 46}
